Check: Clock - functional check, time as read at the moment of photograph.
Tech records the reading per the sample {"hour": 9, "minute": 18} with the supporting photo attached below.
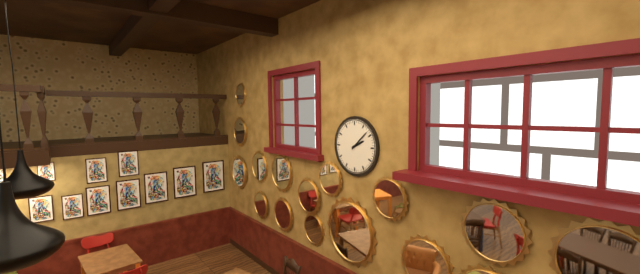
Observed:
{"hour": 2, "minute": 8}
